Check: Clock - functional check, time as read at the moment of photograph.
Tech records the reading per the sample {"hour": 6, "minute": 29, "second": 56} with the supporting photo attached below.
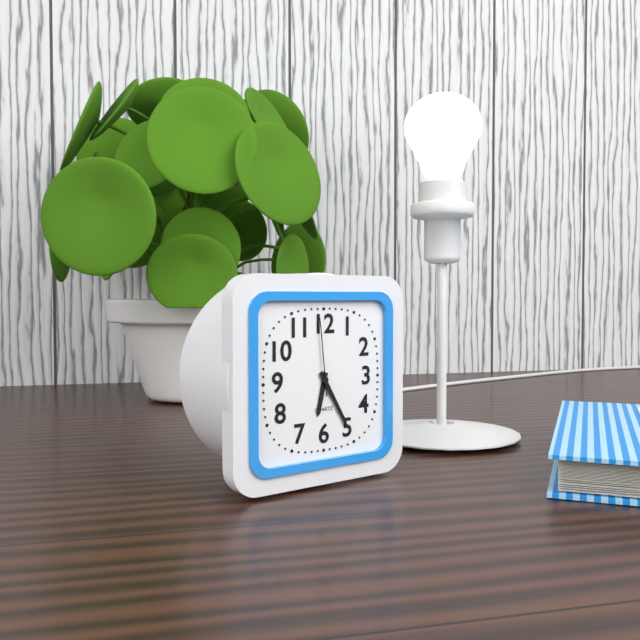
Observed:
{"hour": 6, "minute": 25, "second": 59}
